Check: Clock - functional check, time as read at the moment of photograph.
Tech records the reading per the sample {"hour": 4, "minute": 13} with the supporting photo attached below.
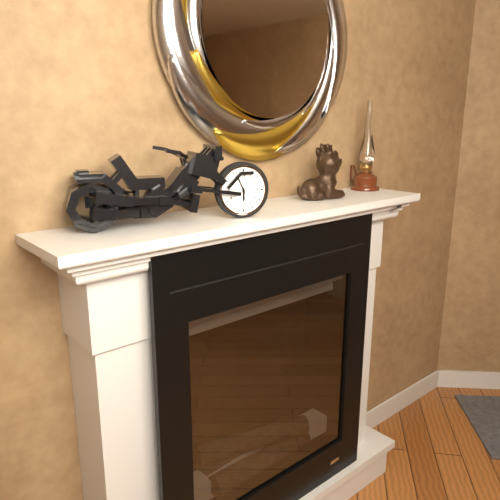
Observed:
{"hour": 5, "minute": 56}
